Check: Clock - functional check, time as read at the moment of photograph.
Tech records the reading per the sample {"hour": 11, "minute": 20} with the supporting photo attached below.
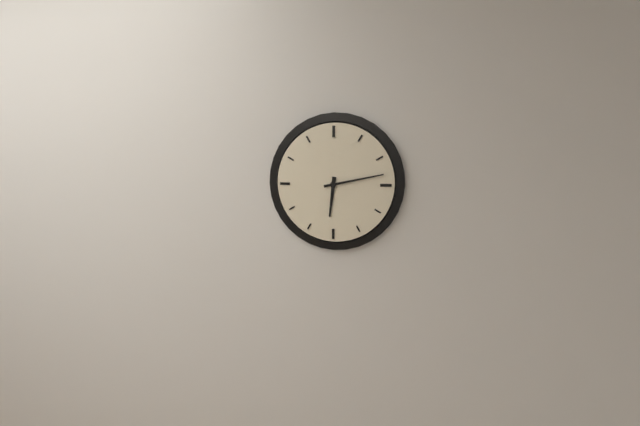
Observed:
{"hour": 6, "minute": 13}
